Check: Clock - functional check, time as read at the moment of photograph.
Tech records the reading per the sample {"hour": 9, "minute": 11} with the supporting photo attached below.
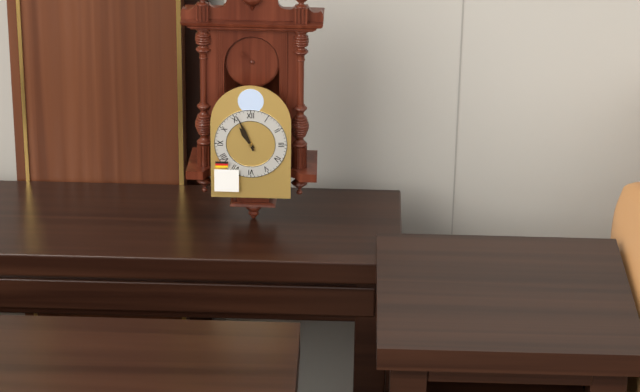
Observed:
{"hour": 10, "minute": 56}
